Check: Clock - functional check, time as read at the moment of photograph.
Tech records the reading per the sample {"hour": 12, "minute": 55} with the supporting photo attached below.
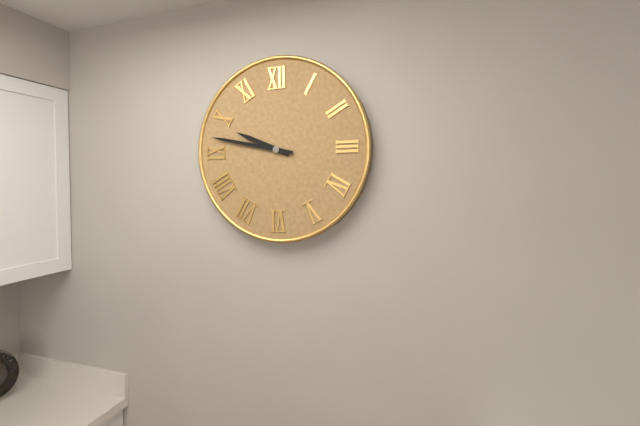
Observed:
{"hour": 9, "minute": 47}
